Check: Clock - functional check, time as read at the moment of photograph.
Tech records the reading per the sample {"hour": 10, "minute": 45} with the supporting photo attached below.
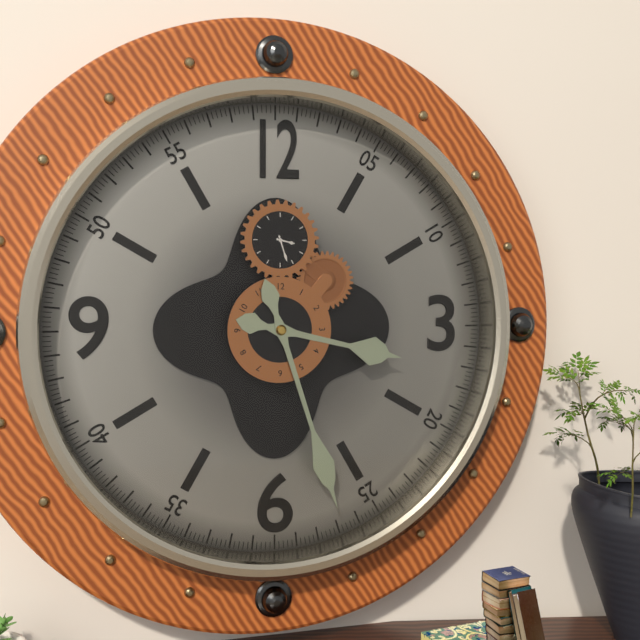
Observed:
{"hour": 3, "minute": 27}
